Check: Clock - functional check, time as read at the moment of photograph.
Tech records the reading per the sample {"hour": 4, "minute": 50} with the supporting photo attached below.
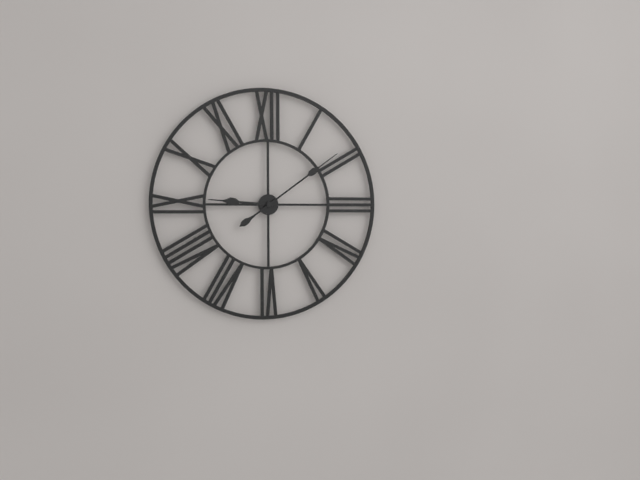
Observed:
{"hour": 9, "minute": 9}
